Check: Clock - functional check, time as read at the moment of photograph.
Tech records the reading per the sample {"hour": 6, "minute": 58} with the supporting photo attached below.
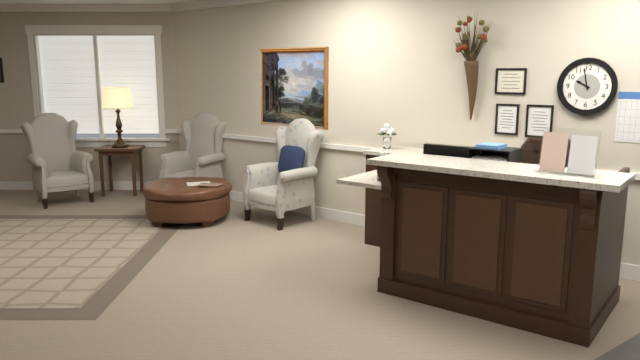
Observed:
{"hour": 9, "minute": 58}
